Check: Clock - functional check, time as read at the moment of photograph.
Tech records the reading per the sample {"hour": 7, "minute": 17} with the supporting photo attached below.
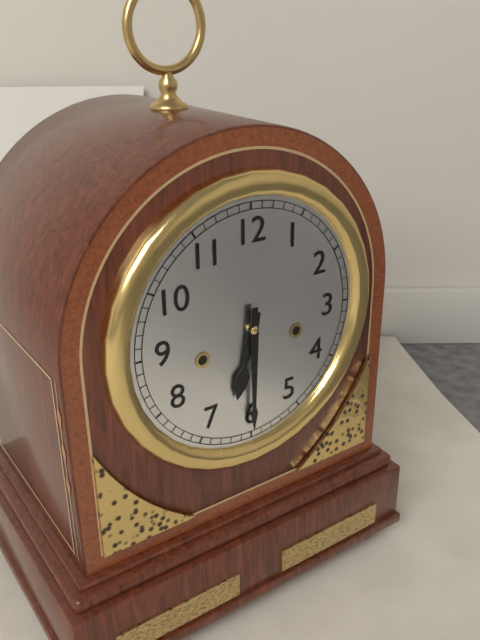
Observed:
{"hour": 6, "minute": 30}
